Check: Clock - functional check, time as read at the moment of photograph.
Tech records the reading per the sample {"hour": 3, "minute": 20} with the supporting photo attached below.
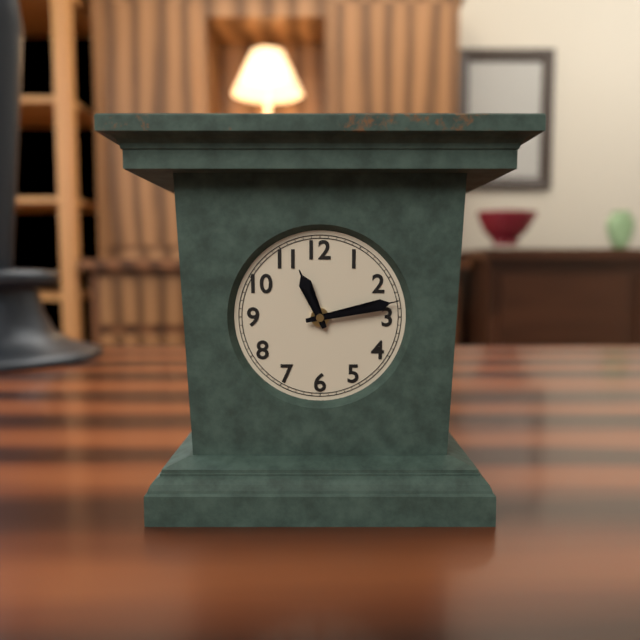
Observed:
{"hour": 11, "minute": 13}
